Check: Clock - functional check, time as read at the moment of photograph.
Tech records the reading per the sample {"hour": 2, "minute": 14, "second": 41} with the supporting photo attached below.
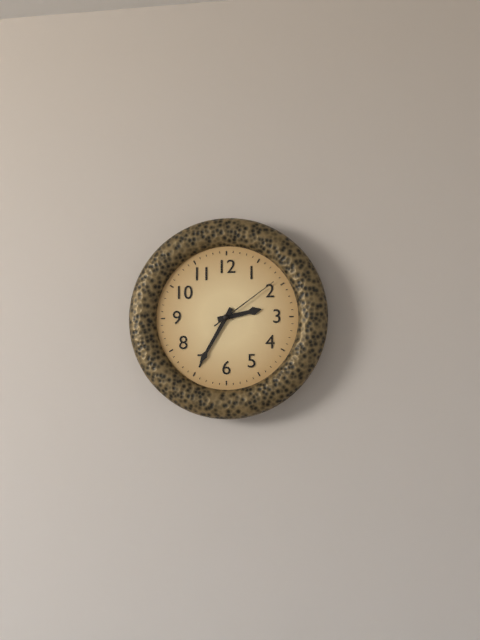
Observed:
{"hour": 2, "minute": 35, "second": 9}
